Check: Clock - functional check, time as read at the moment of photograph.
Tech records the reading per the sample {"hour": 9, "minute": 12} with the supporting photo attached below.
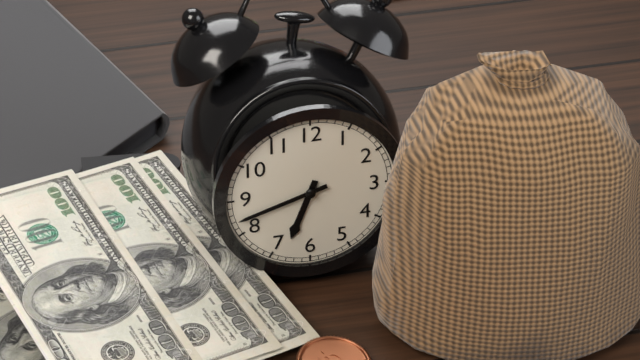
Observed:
{"hour": 6, "minute": 42}
